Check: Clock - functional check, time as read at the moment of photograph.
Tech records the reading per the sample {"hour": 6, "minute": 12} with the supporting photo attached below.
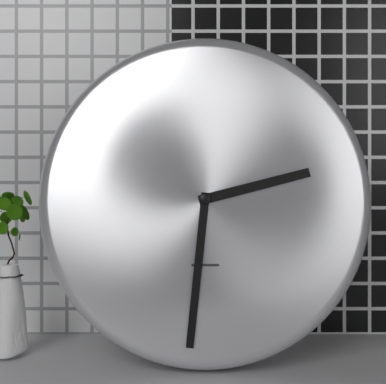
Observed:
{"hour": 2, "minute": 31}
